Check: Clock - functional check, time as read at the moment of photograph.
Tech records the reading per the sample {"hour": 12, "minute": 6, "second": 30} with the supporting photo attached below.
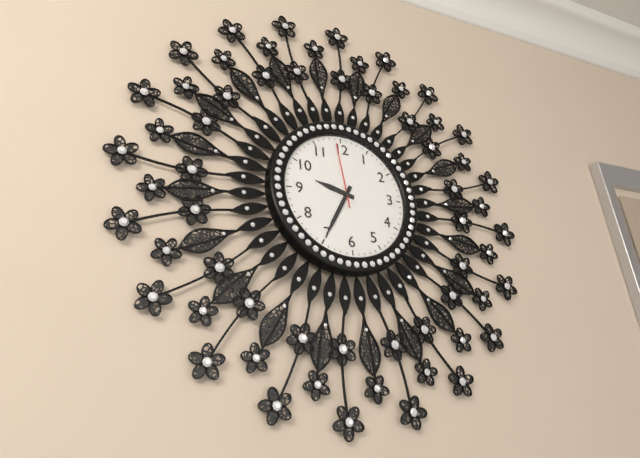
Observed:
{"hour": 9, "minute": 35, "second": 59}
